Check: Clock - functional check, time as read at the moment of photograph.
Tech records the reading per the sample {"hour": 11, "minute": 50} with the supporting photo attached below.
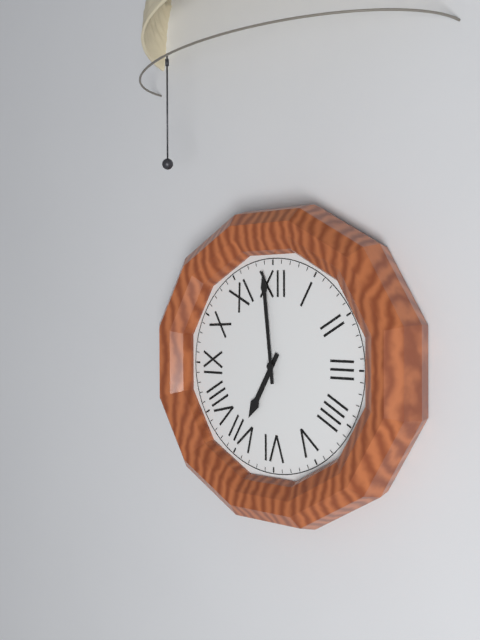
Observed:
{"hour": 6, "minute": 59}
